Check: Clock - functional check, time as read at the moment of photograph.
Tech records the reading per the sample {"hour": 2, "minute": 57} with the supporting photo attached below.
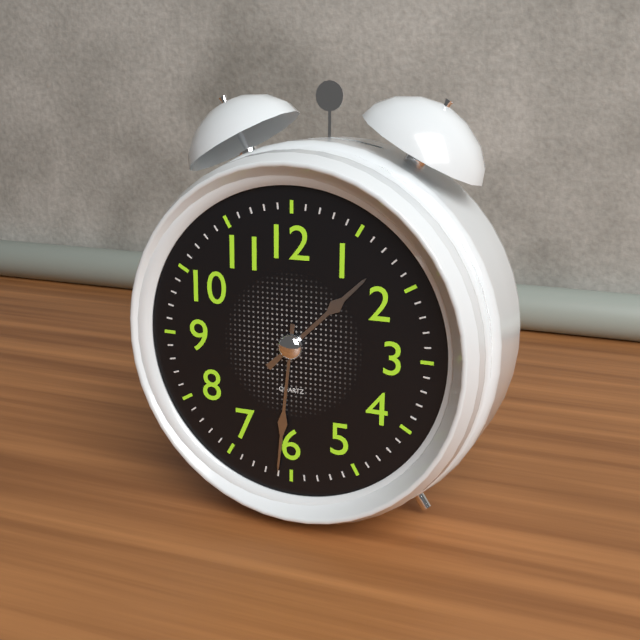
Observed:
{"hour": 1, "minute": 31}
